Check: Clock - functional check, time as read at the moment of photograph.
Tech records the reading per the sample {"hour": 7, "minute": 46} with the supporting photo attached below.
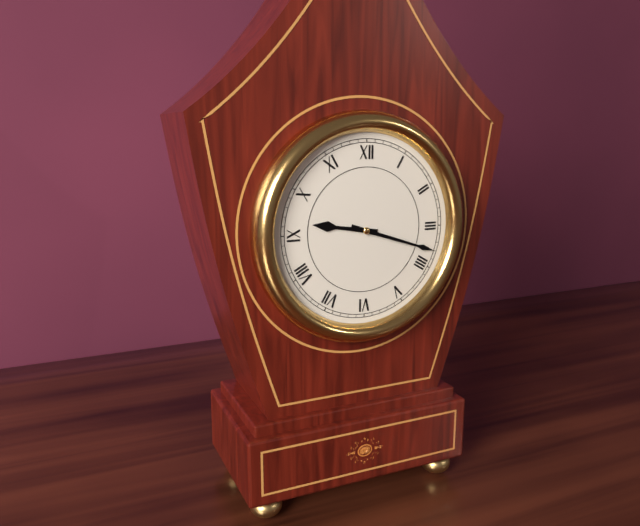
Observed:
{"hour": 9, "minute": 18}
